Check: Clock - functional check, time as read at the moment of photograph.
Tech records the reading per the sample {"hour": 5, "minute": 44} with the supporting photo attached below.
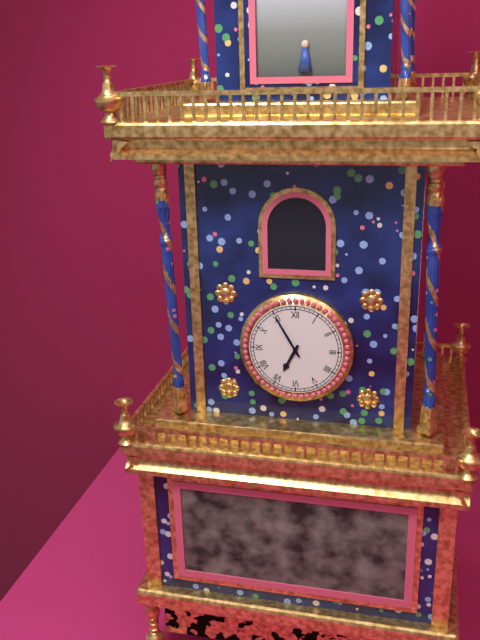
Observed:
{"hour": 6, "minute": 55}
